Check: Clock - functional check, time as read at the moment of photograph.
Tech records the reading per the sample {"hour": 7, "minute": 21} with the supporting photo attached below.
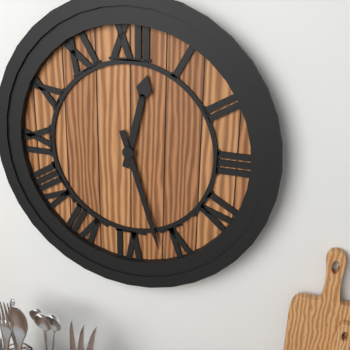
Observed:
{"hour": 12, "minute": 27}
